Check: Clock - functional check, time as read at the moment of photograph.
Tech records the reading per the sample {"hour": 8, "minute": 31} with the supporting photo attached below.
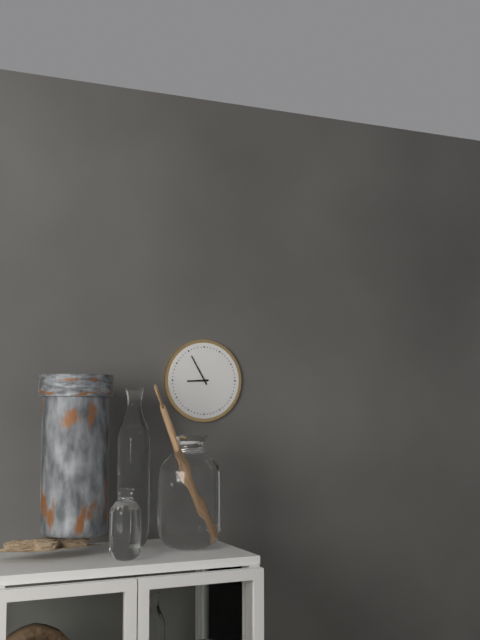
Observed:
{"hour": 8, "minute": 55}
